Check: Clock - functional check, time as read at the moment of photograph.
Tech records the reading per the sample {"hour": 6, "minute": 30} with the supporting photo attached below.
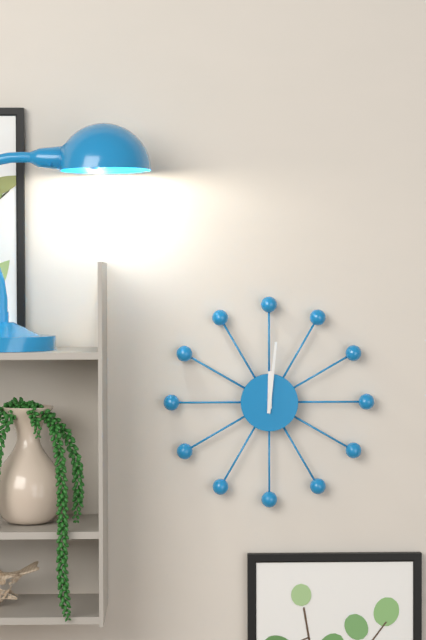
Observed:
{"hour": 12, "minute": 1}
